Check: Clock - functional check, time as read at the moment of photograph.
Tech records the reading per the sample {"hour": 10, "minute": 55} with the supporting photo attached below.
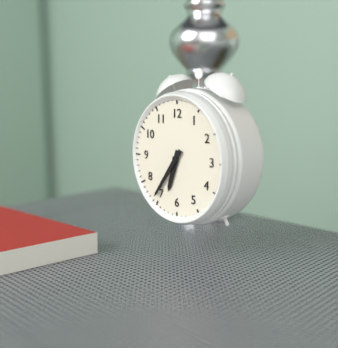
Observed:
{"hour": 6, "minute": 36}
